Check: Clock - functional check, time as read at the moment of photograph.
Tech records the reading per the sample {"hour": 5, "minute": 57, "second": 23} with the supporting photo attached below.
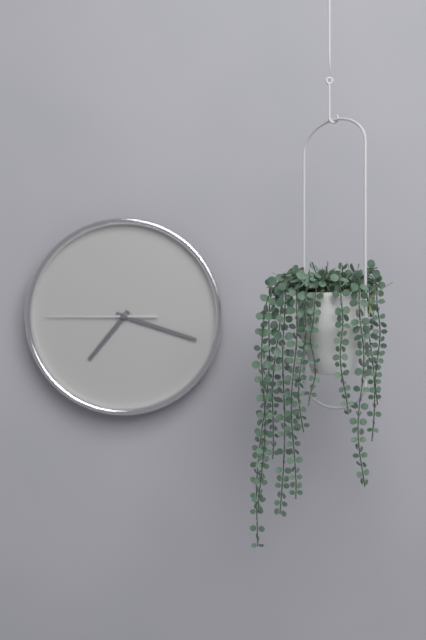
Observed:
{"hour": 7, "minute": 18, "second": 45}
